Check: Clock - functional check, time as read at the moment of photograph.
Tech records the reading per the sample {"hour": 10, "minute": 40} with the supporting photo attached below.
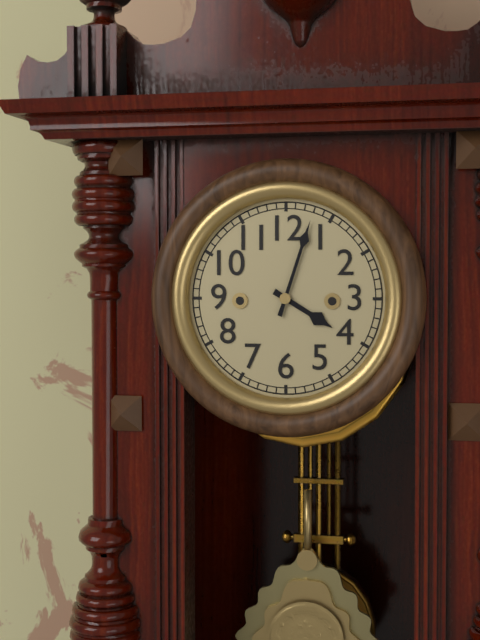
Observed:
{"hour": 4, "minute": 3}
